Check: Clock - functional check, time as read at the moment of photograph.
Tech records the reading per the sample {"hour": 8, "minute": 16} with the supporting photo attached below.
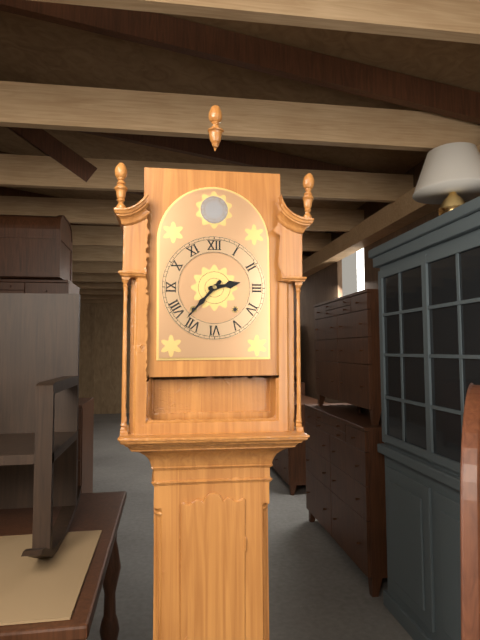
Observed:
{"hour": 2, "minute": 37}
